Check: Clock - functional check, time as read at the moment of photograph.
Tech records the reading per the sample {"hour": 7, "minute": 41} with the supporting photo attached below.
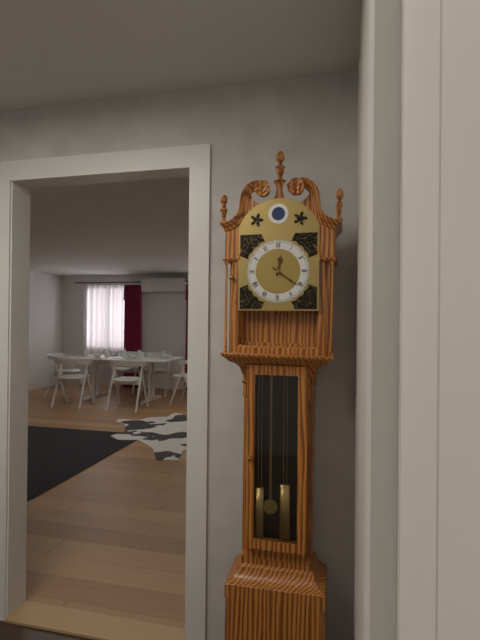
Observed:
{"hour": 12, "minute": 21}
